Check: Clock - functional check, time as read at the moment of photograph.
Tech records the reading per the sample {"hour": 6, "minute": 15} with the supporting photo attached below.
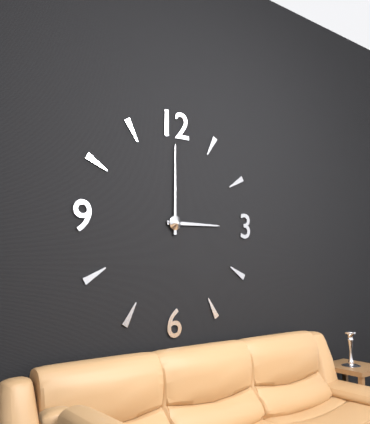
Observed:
{"hour": 3, "minute": 0}
